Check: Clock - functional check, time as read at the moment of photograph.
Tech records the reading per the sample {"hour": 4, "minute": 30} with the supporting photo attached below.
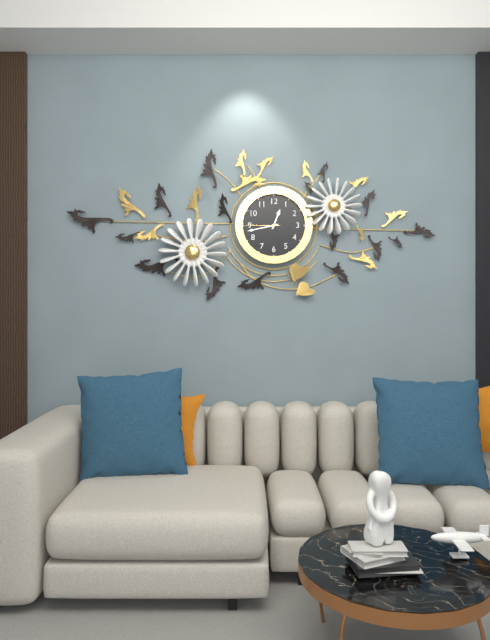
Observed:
{"hour": 12, "minute": 43}
